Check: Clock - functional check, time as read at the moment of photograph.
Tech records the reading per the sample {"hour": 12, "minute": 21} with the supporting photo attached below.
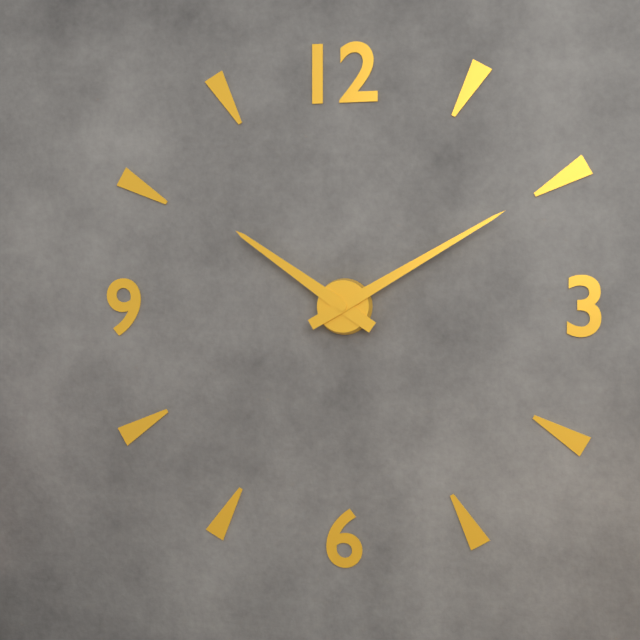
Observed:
{"hour": 10, "minute": 10}
